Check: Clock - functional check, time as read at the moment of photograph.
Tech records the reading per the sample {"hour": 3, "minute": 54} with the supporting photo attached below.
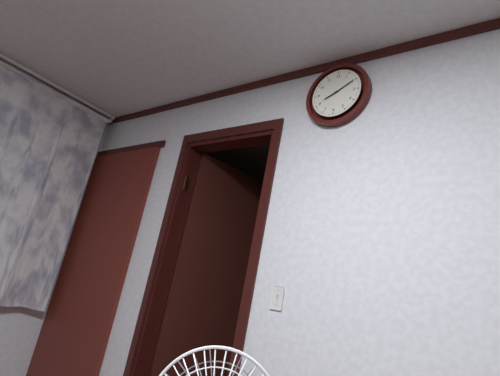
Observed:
{"hour": 8, "minute": 10}
